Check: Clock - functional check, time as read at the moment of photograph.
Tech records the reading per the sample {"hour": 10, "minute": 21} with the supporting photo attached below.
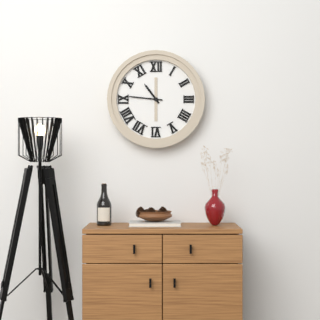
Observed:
{"hour": 10, "minute": 46}
